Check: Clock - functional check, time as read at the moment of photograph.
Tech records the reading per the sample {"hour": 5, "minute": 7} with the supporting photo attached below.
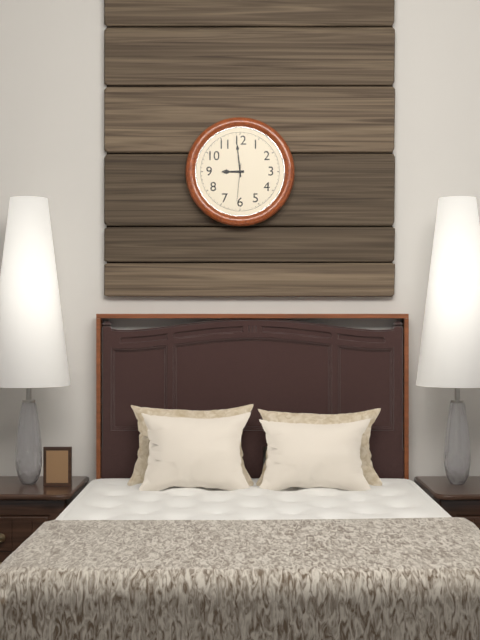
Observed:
{"hour": 8, "minute": 59}
